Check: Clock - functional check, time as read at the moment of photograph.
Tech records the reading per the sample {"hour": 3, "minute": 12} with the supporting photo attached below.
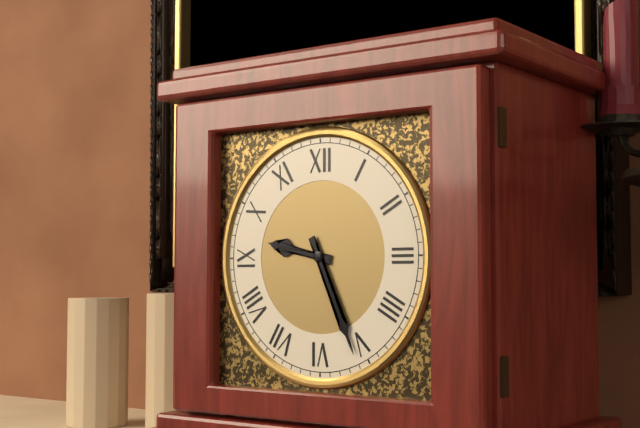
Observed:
{"hour": 9, "minute": 26}
